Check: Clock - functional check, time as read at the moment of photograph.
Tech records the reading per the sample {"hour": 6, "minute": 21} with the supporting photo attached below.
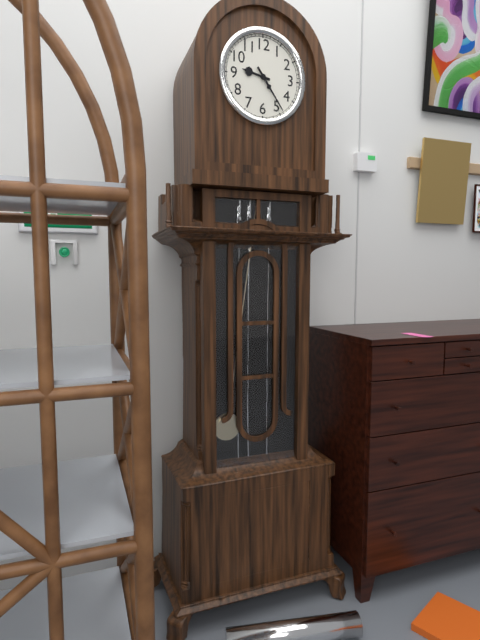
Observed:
{"hour": 9, "minute": 24}
